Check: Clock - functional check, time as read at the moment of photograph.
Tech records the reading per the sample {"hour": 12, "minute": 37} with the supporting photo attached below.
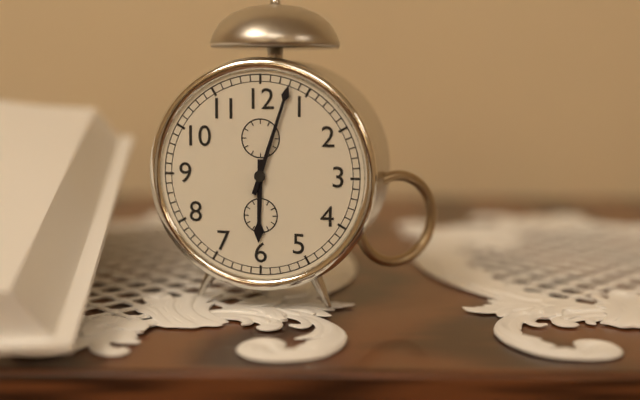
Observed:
{"hour": 6, "minute": 3}
